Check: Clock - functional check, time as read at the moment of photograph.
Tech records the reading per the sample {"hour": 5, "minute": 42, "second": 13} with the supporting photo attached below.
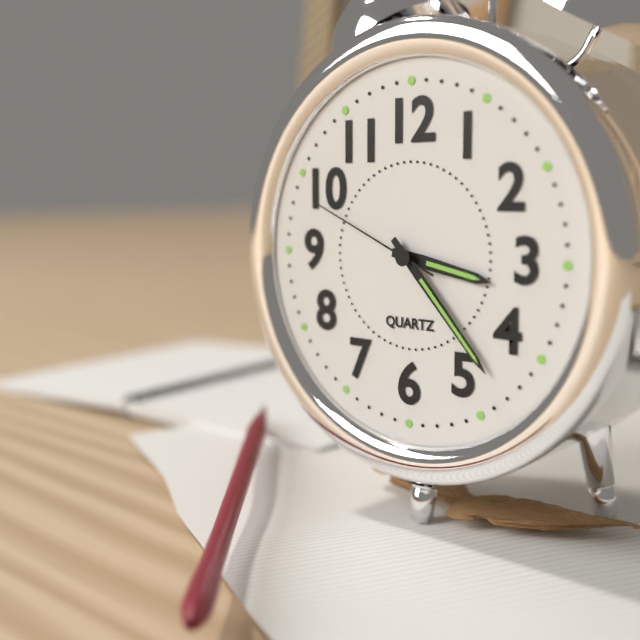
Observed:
{"hour": 3, "minute": 23, "second": 49}
